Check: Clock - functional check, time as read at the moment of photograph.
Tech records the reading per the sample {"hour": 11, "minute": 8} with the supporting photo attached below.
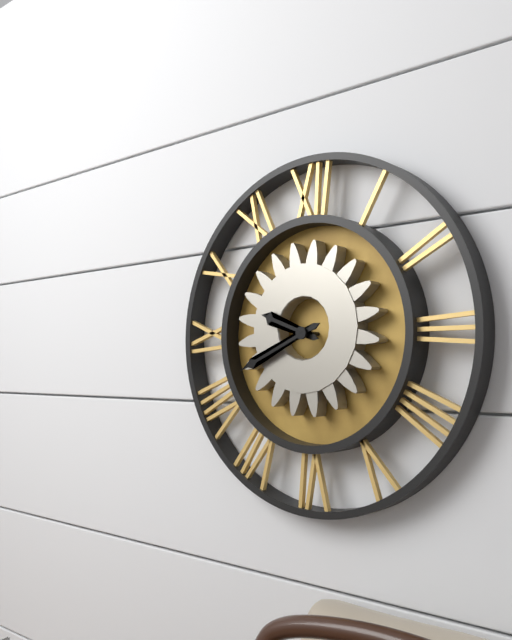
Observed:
{"hour": 9, "minute": 41}
